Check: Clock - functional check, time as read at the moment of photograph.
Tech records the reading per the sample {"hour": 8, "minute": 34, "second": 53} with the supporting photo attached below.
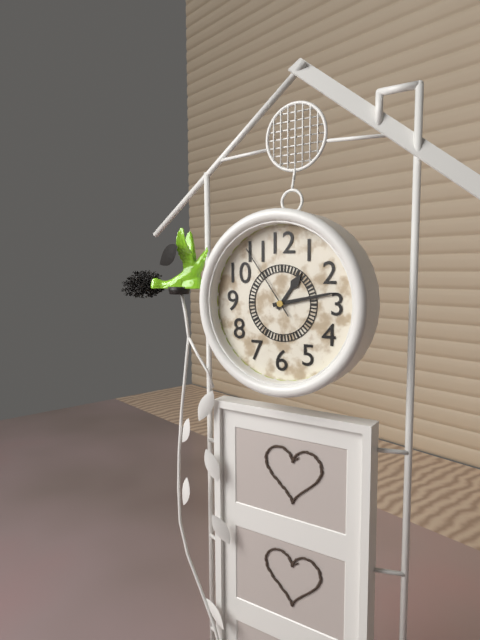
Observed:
{"hour": 1, "minute": 13, "second": 54}
